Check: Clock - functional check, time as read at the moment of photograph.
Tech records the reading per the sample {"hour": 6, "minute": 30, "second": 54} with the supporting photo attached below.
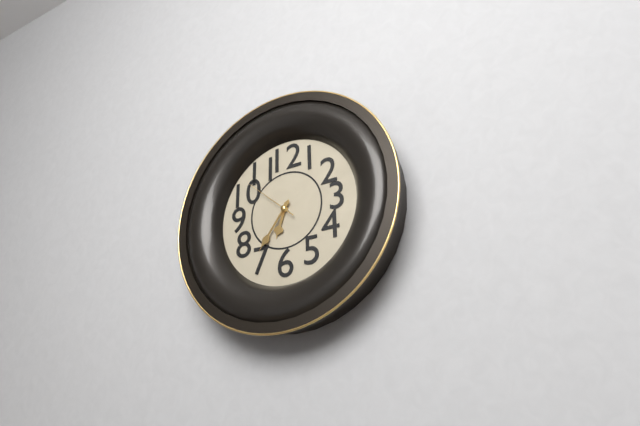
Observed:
{"hour": 6, "minute": 36, "second": 52}
